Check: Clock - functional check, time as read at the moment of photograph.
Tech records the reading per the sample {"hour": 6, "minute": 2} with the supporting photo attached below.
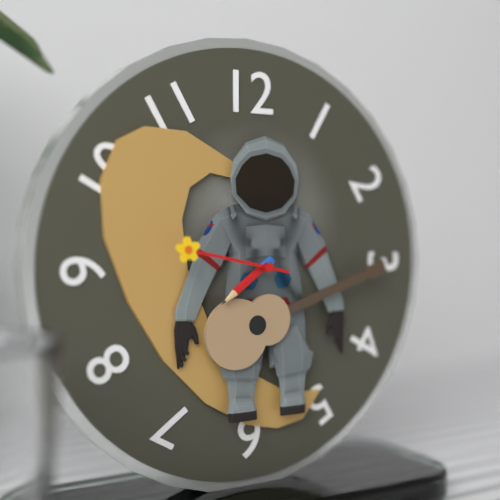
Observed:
{"hour": 7, "minute": 47}
